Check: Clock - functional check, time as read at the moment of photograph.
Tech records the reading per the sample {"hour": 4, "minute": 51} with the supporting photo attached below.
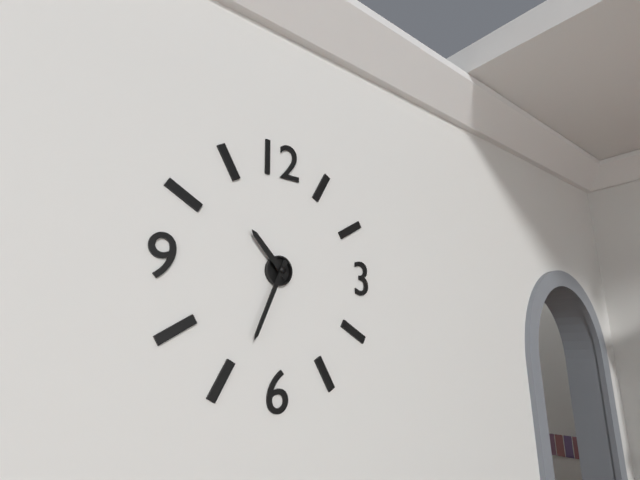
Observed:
{"hour": 10, "minute": 34}
